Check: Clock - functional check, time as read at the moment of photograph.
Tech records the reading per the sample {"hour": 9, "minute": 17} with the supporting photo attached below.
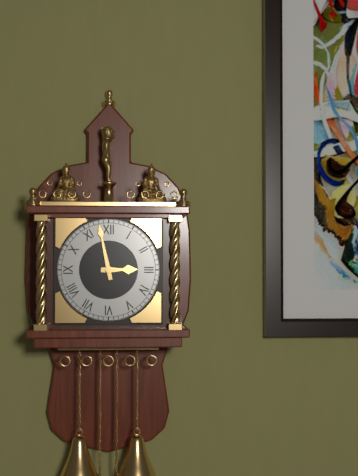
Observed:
{"hour": 2, "minute": 58}
